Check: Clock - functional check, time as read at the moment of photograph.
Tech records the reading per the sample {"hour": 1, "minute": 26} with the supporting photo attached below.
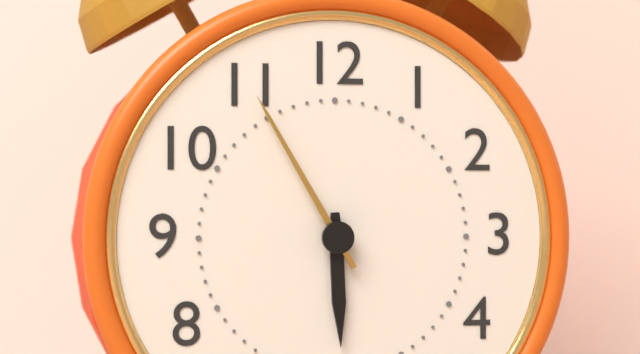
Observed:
{"hour": 5, "minute": 55}
